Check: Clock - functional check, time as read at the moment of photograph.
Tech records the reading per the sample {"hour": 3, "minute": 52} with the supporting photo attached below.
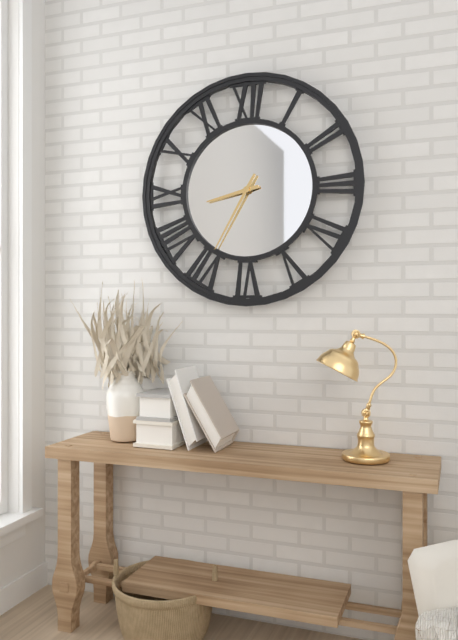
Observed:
{"hour": 8, "minute": 35}
